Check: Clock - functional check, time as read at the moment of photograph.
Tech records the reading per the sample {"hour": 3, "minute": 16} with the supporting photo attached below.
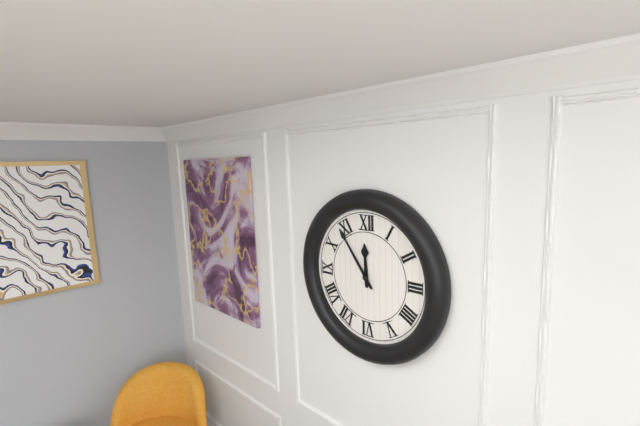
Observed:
{"hour": 11, "minute": 54}
